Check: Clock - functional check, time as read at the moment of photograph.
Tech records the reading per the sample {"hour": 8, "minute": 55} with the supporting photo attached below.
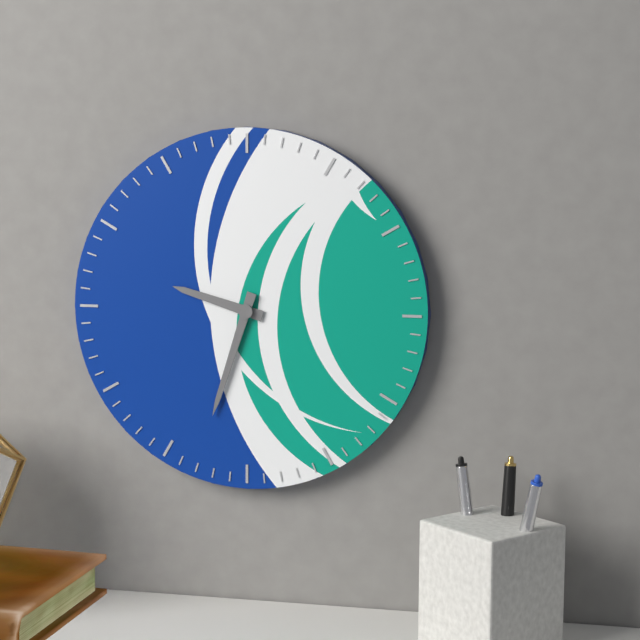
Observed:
{"hour": 9, "minute": 33}
